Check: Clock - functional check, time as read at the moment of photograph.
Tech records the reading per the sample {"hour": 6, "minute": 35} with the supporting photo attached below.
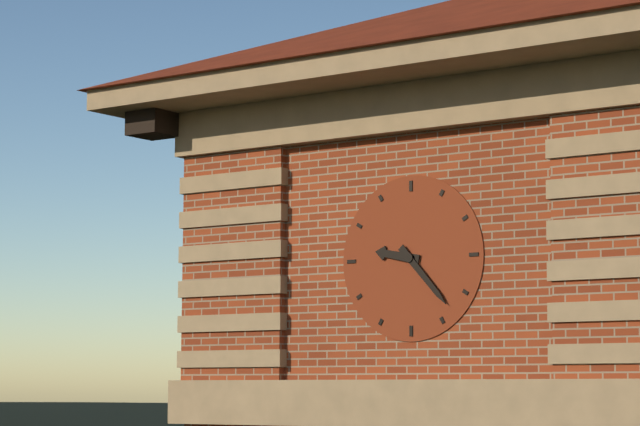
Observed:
{"hour": 9, "minute": 23}
